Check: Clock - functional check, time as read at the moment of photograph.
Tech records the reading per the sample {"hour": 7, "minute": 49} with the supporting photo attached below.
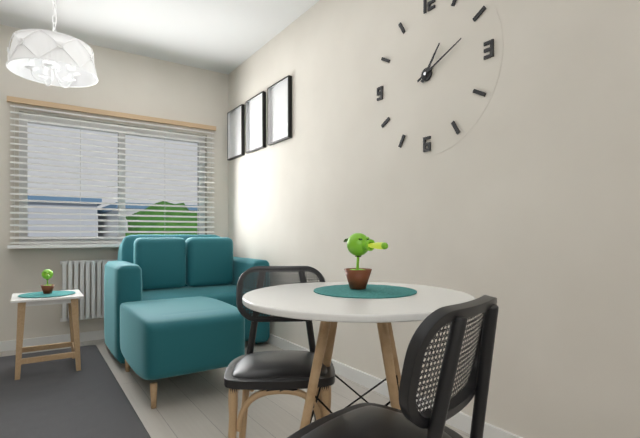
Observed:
{"hour": 1, "minute": 11}
